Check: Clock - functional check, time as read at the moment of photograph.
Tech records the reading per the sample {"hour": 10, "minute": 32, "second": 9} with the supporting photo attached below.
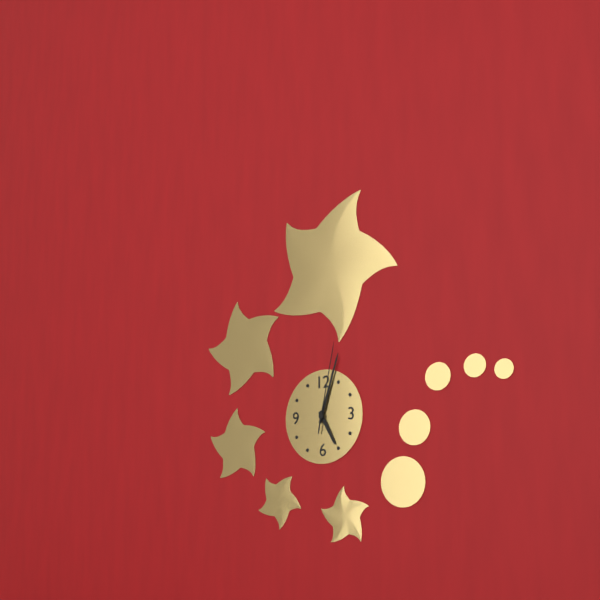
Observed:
{"hour": 5, "minute": 3, "second": 2}
